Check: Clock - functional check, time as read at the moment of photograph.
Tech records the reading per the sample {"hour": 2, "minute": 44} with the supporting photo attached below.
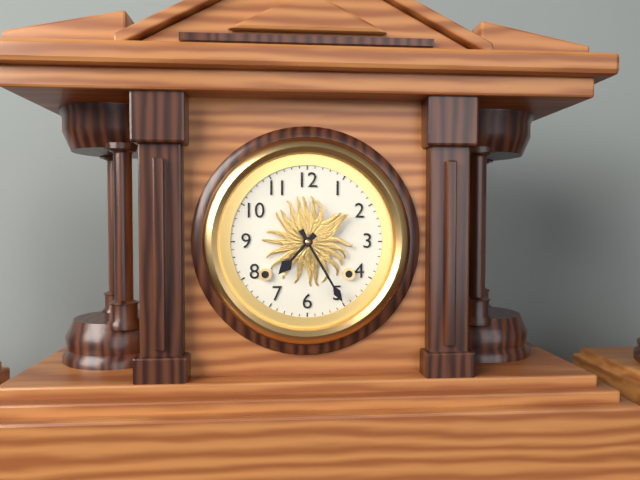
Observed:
{"hour": 7, "minute": 25}
